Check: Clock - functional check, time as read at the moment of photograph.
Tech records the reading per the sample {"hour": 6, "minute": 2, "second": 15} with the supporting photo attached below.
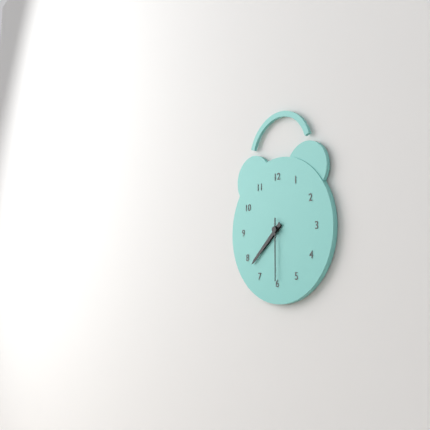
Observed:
{"hour": 7, "minute": 38, "second": 30}
